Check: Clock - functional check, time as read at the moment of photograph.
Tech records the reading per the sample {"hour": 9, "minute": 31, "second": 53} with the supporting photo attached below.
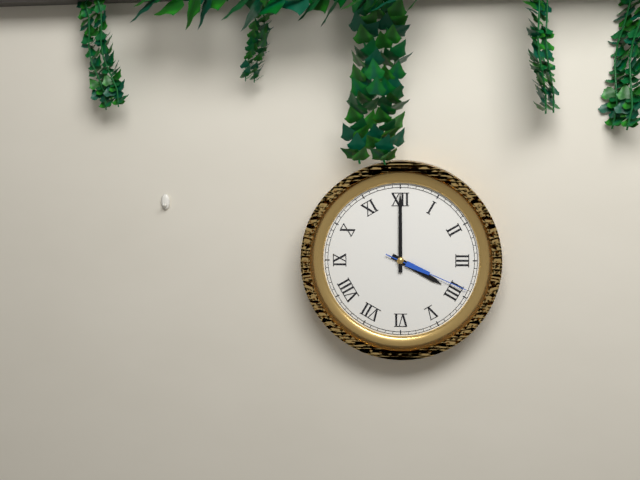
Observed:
{"hour": 4, "minute": 0, "second": 19}
